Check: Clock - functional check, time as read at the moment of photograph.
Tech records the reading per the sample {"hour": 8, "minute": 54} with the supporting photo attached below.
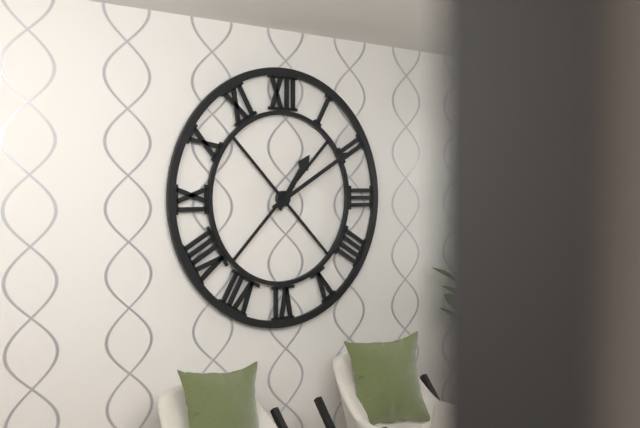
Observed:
{"hour": 1, "minute": 10}
